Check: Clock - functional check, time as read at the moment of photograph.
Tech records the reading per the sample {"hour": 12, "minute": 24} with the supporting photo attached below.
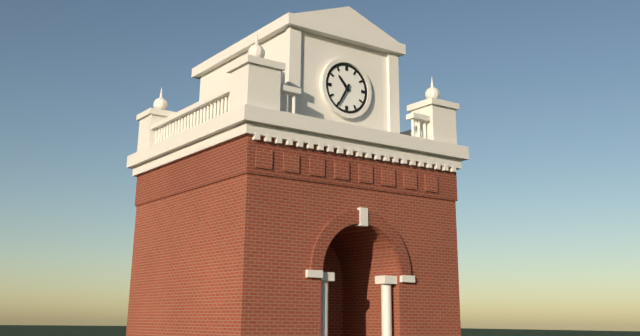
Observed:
{"hour": 10, "minute": 35}
